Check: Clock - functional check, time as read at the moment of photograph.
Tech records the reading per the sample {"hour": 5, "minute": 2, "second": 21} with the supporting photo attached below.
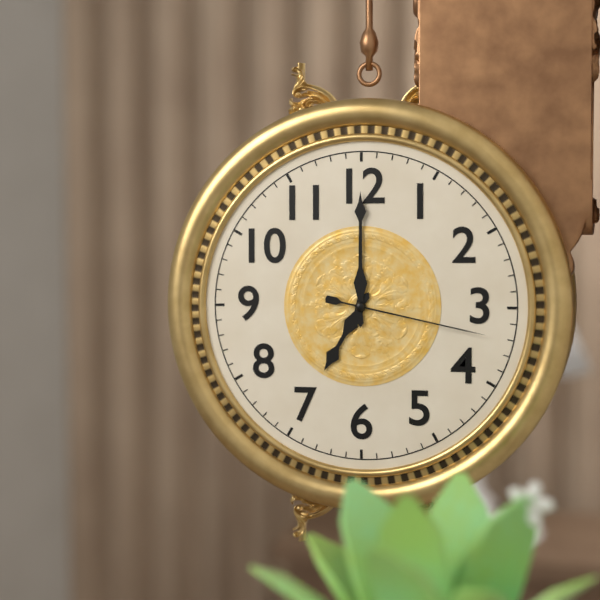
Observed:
{"hour": 7, "minute": 0, "second": 17}
